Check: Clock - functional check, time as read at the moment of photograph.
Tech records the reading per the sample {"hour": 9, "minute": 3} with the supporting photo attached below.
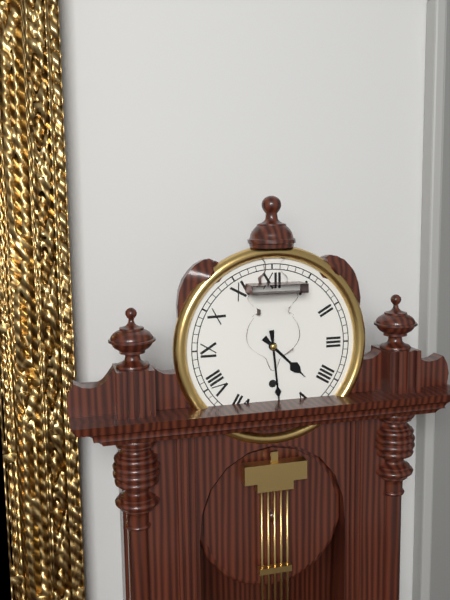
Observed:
{"hour": 4, "minute": 29}
